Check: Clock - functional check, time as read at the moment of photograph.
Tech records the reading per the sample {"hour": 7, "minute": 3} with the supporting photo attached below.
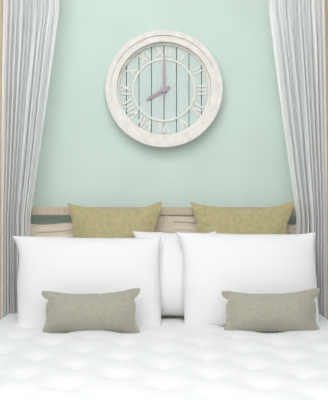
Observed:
{"hour": 8, "minute": 0}
